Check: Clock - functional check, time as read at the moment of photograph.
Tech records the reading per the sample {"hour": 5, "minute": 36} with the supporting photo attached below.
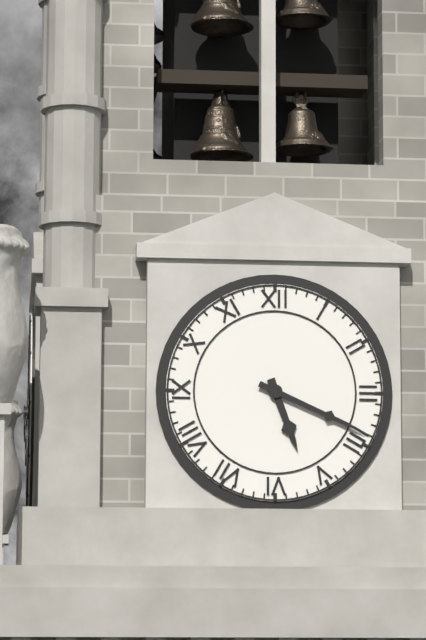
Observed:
{"hour": 5, "minute": 19}
